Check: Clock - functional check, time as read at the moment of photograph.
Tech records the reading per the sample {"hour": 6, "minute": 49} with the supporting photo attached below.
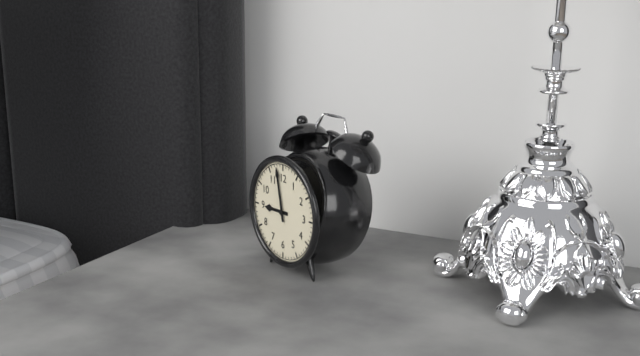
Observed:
{"hour": 8, "minute": 58}
